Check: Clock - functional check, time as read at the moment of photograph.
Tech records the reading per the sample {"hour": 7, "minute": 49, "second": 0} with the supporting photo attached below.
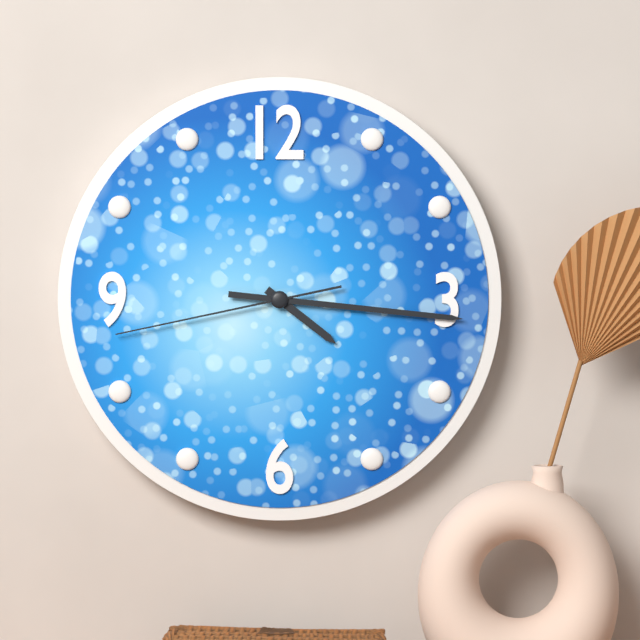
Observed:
{"hour": 4, "minute": 16, "second": 43}
